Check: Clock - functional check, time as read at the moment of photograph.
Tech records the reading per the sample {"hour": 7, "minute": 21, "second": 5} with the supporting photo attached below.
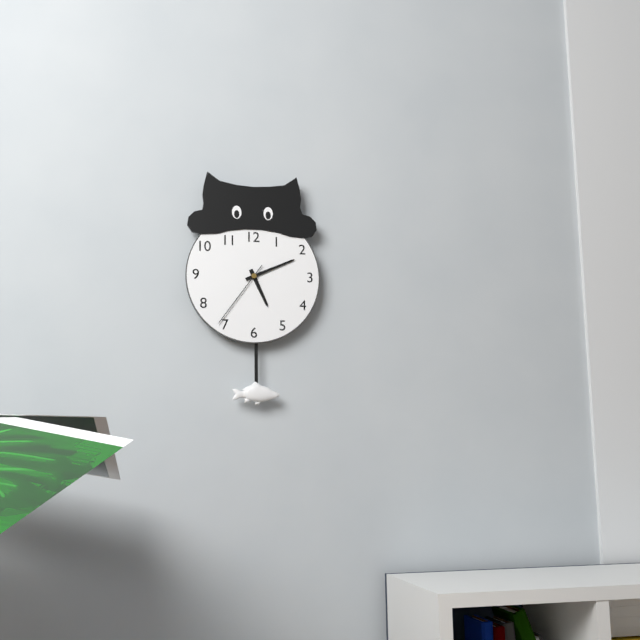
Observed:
{"hour": 5, "minute": 11, "second": 36}
